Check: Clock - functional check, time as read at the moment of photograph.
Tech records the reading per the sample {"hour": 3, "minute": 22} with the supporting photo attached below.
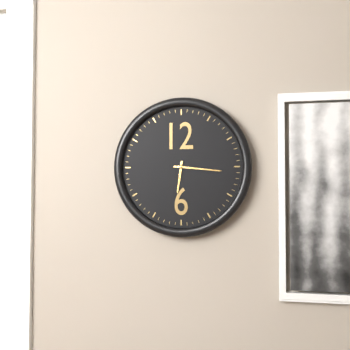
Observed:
{"hour": 6, "minute": 16}
